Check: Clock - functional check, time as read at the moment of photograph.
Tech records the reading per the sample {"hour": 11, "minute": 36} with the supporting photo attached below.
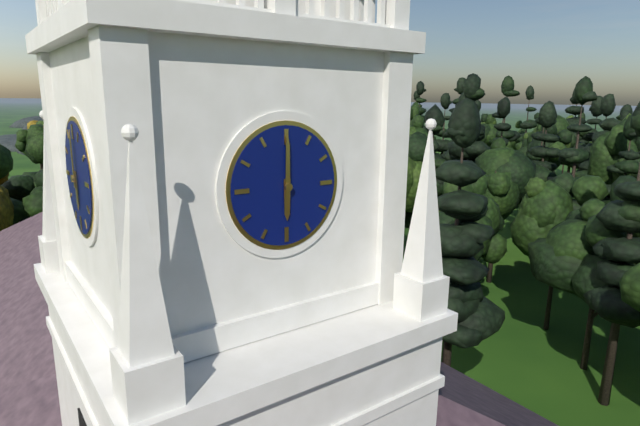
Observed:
{"hour": 6, "minute": 0}
